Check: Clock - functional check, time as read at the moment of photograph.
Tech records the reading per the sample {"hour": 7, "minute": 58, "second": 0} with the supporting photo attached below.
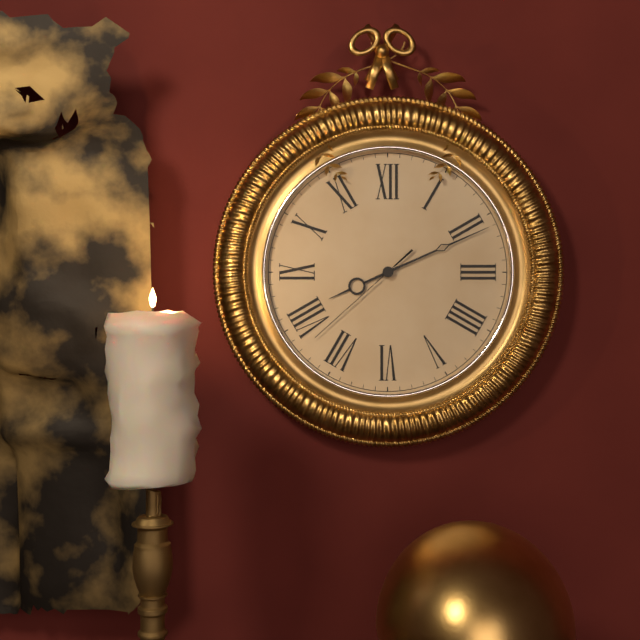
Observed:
{"hour": 8, "minute": 11, "second": 38}
